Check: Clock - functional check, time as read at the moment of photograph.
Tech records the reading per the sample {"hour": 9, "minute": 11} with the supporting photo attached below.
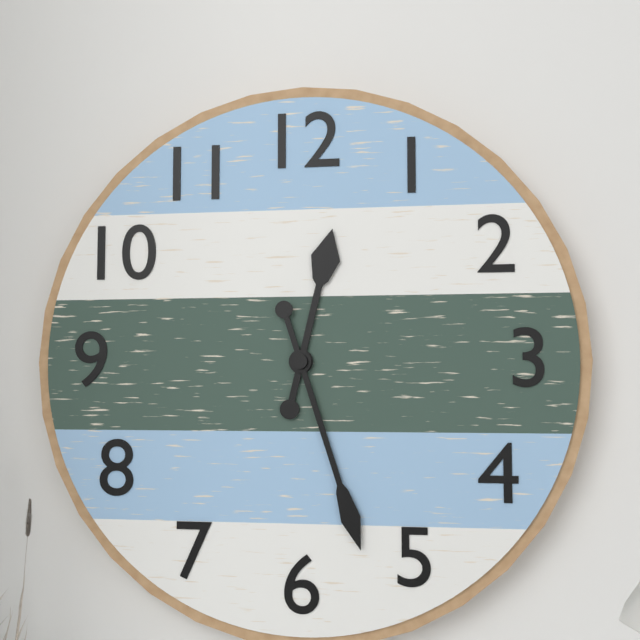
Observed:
{"hour": 12, "minute": 27}
